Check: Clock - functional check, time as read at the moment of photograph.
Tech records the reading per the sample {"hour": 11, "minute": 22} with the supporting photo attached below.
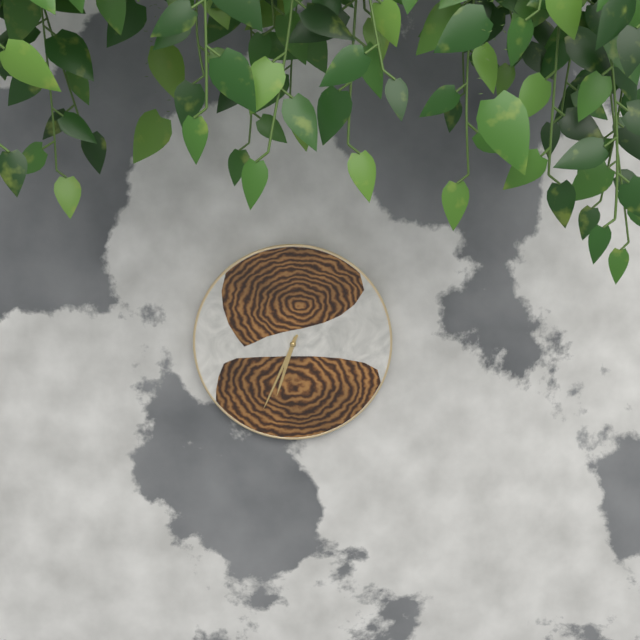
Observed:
{"hour": 6, "minute": 34}
